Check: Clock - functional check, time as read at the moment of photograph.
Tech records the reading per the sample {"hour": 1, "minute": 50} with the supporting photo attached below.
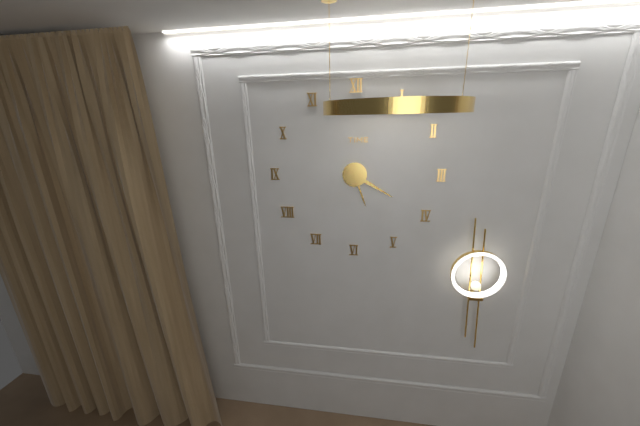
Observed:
{"hour": 5, "minute": 20}
